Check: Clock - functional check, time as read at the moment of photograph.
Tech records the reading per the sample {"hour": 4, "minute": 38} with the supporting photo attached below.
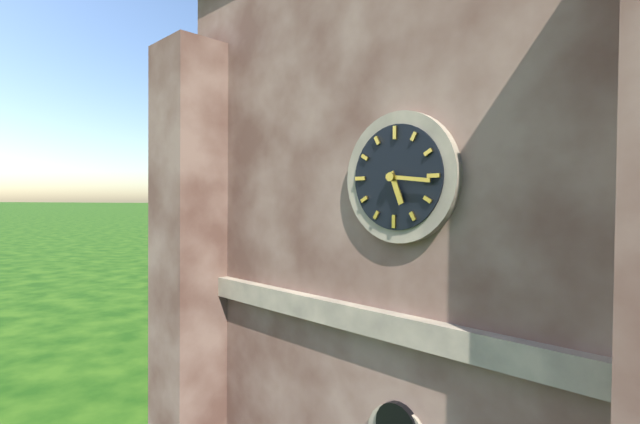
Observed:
{"hour": 5, "minute": 16}
